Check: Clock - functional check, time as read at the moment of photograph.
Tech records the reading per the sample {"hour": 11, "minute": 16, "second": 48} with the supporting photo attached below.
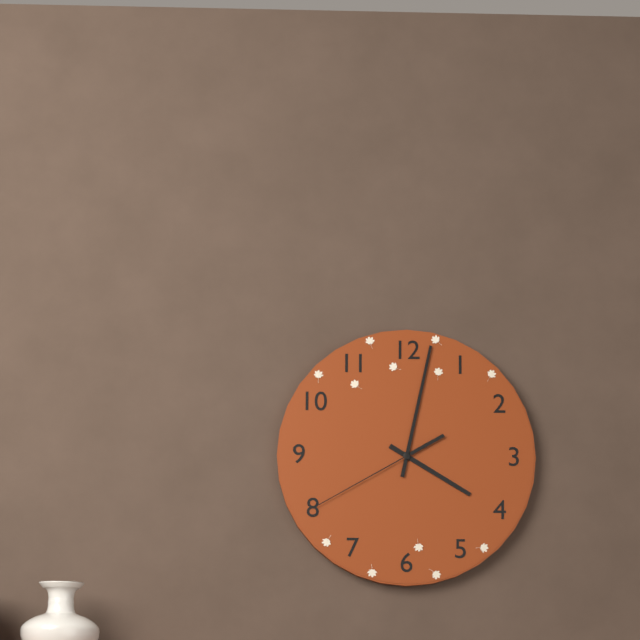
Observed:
{"hour": 4, "minute": 2, "second": 40}
